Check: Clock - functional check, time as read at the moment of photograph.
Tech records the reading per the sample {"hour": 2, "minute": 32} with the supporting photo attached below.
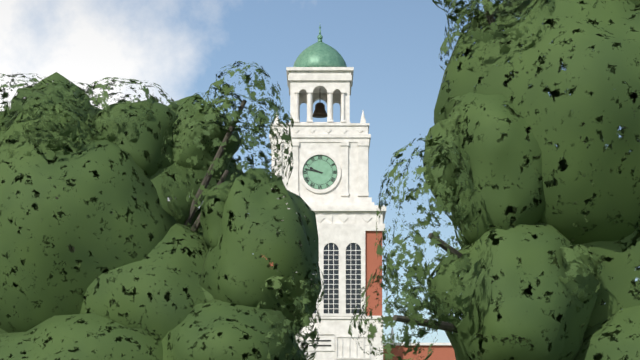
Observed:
{"hour": 9, "minute": 47}
